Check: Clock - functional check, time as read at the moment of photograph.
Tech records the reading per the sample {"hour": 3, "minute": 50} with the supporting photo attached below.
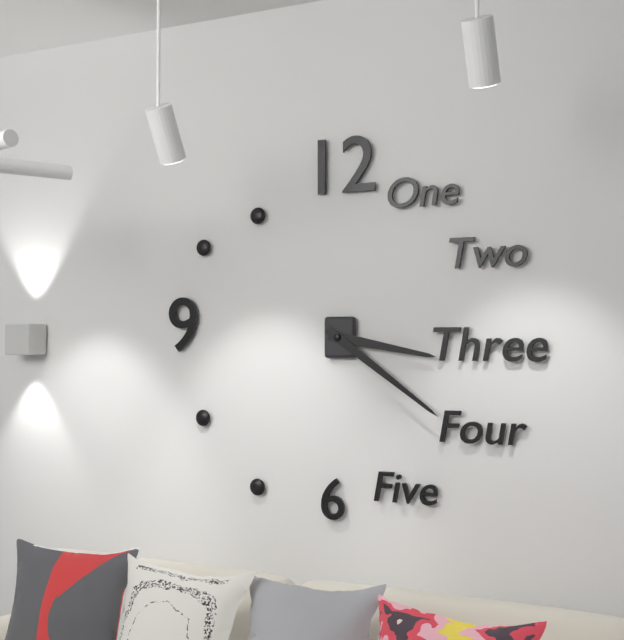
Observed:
{"hour": 3, "minute": 21}
